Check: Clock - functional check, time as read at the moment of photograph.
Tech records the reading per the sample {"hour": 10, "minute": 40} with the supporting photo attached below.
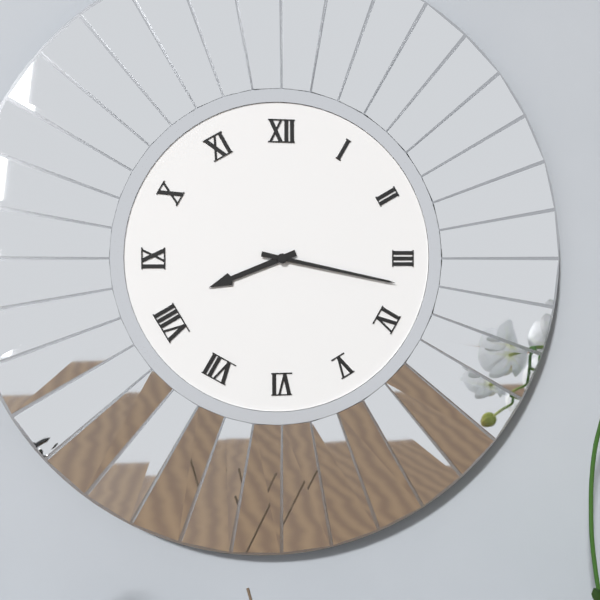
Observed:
{"hour": 8, "minute": 17}
